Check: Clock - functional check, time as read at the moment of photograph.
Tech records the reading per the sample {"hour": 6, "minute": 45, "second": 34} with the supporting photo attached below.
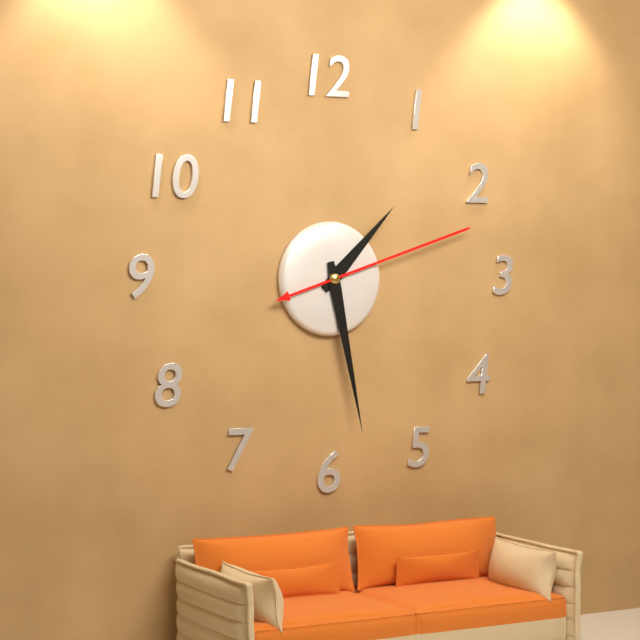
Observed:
{"hour": 1, "minute": 28, "second": 12}
